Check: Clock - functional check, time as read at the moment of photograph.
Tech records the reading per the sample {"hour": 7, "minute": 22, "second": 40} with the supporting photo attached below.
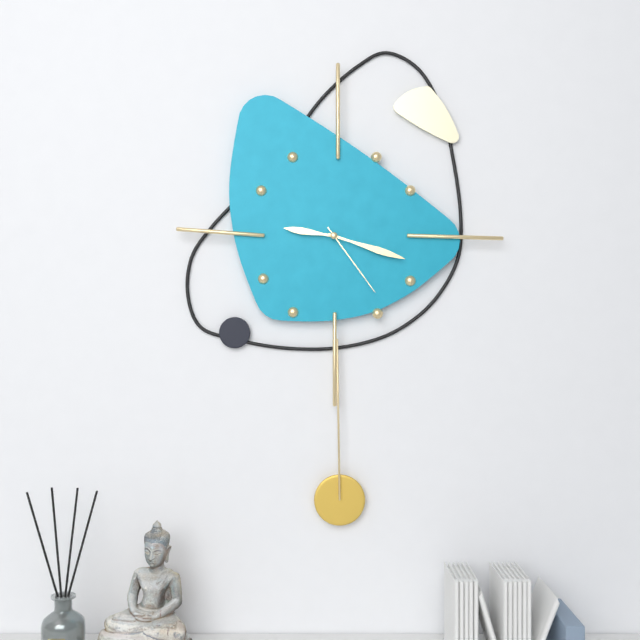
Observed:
{"hour": 9, "minute": 18, "second": 24}
